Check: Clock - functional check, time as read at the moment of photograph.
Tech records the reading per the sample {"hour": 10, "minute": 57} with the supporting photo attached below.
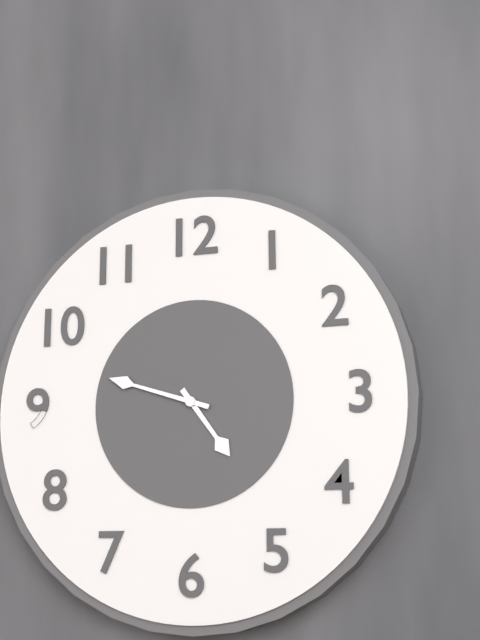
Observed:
{"hour": 4, "minute": 48}
